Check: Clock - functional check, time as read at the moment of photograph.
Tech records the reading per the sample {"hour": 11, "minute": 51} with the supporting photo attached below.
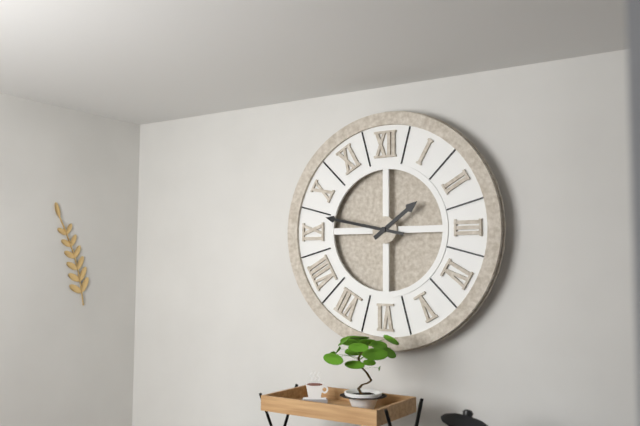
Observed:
{"hour": 1, "minute": 47}
